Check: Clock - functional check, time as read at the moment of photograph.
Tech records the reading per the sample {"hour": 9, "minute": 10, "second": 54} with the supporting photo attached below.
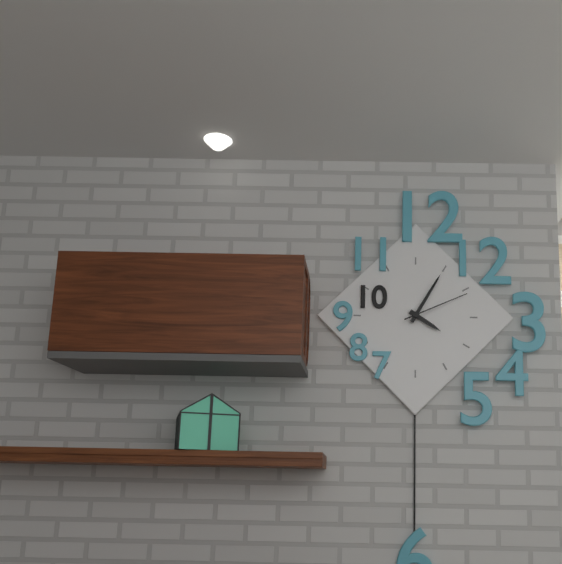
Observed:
{"hour": 4, "minute": 5, "second": 11}
